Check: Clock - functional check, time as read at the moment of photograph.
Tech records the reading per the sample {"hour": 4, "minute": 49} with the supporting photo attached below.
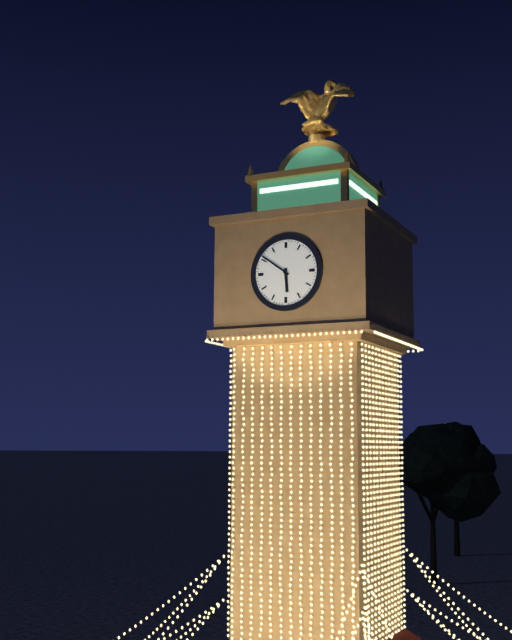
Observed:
{"hour": 5, "minute": 51}
